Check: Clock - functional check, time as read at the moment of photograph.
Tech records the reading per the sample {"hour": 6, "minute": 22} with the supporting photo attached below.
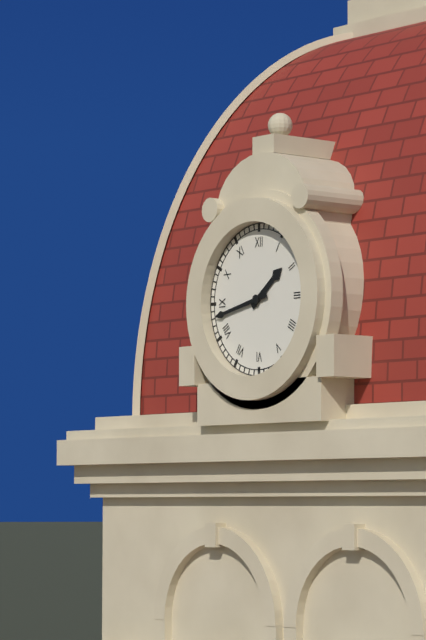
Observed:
{"hour": 1, "minute": 43}
